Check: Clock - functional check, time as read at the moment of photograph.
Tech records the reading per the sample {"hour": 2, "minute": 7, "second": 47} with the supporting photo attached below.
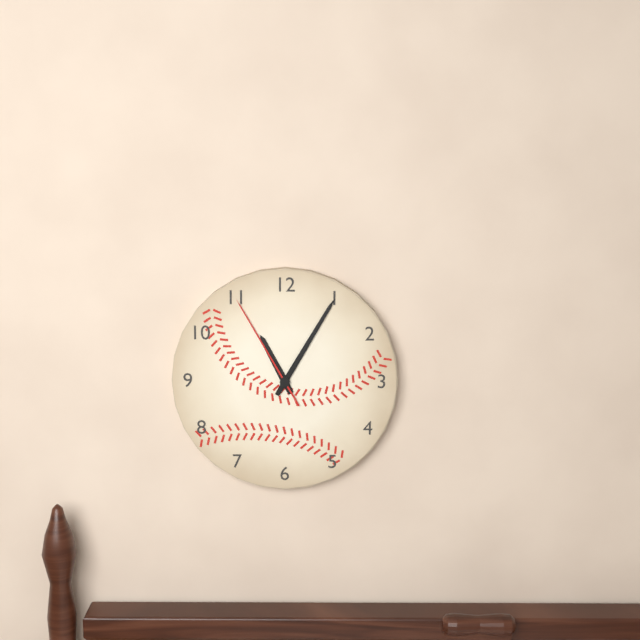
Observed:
{"hour": 11, "minute": 5, "second": 55}
